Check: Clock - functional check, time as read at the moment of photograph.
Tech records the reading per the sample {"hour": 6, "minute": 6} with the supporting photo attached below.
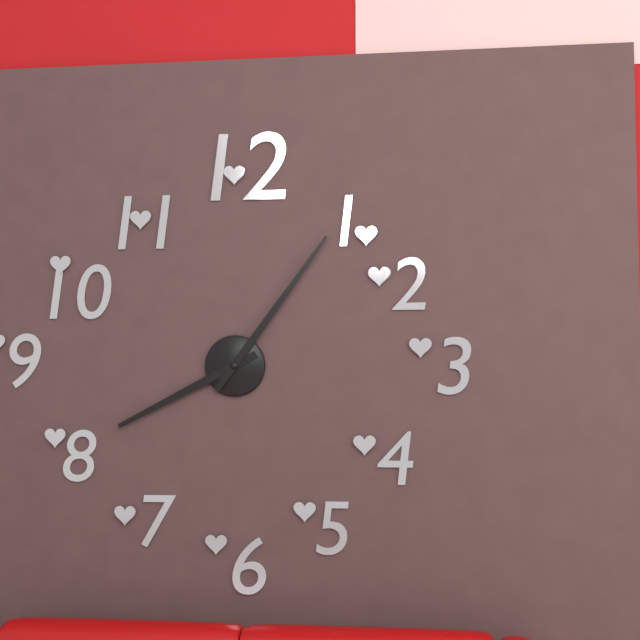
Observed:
{"hour": 8, "minute": 6}
